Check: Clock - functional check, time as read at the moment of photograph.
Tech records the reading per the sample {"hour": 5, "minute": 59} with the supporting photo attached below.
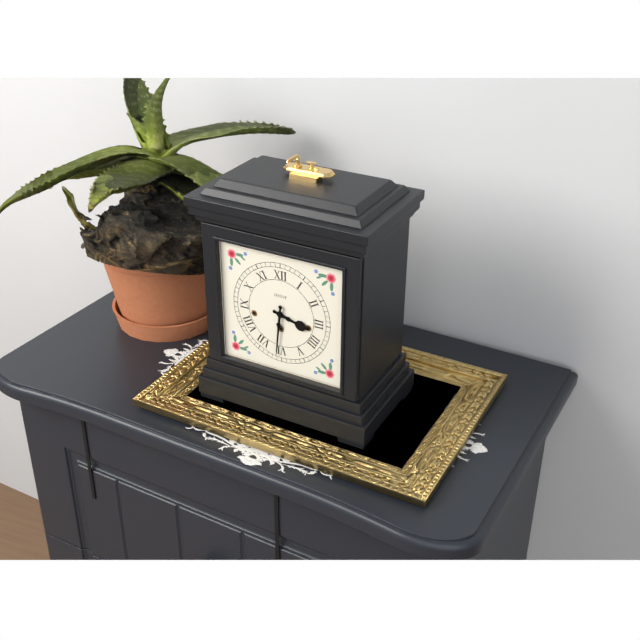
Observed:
{"hour": 3, "minute": 31}
